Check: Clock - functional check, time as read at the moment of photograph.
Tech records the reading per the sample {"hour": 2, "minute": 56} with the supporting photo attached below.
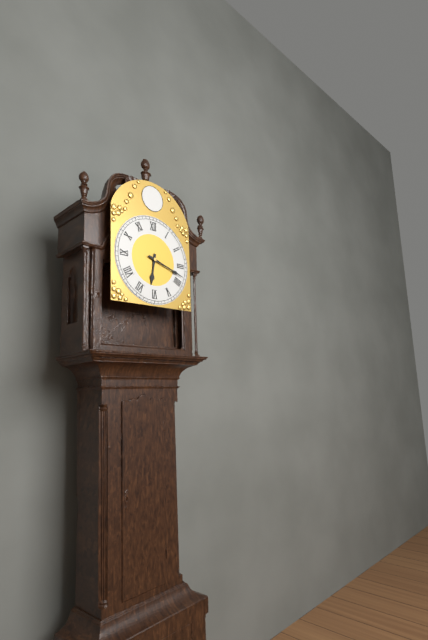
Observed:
{"hour": 6, "minute": 18}
